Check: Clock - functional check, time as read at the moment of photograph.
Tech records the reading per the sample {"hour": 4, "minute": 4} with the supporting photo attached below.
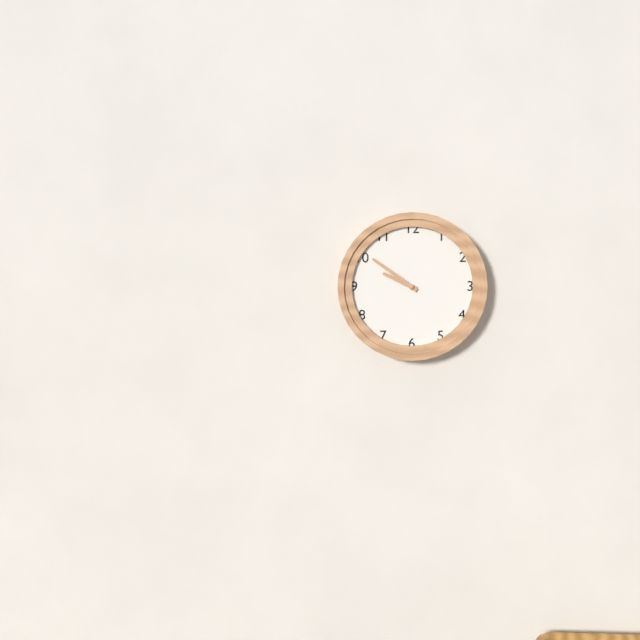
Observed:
{"hour": 9, "minute": 51}
